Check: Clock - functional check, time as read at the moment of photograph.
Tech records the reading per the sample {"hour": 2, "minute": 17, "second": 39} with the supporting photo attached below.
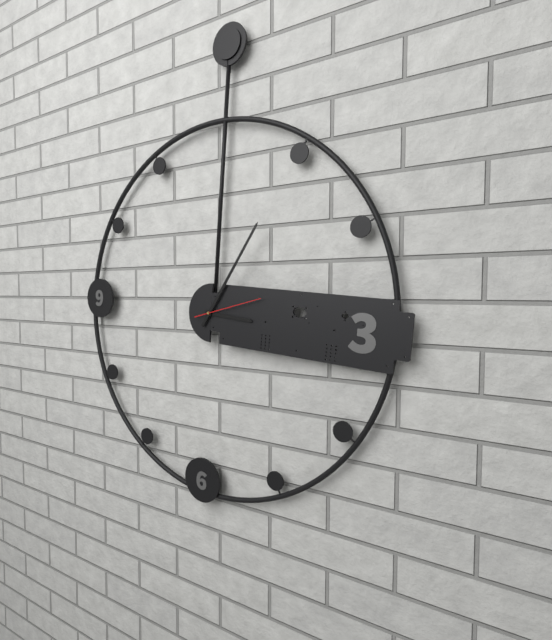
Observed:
{"hour": 3, "minute": 5, "second": 12}
